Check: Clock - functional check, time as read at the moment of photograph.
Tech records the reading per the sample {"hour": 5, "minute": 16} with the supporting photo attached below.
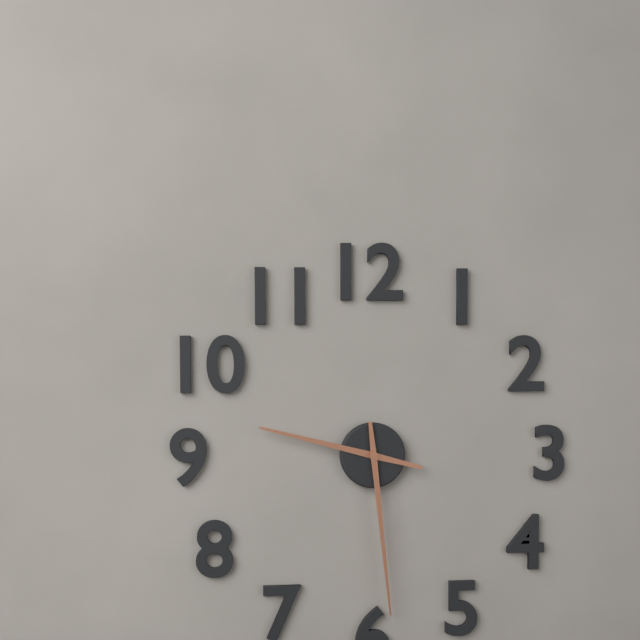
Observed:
{"hour": 9, "minute": 29}
